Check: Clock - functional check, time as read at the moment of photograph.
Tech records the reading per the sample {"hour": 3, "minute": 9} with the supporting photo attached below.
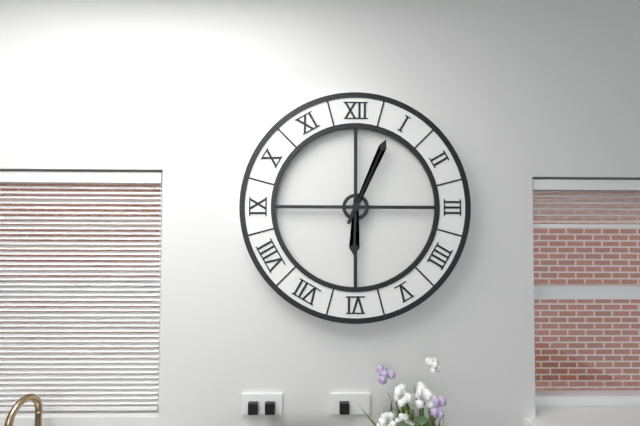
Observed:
{"hour": 6, "minute": 4}
